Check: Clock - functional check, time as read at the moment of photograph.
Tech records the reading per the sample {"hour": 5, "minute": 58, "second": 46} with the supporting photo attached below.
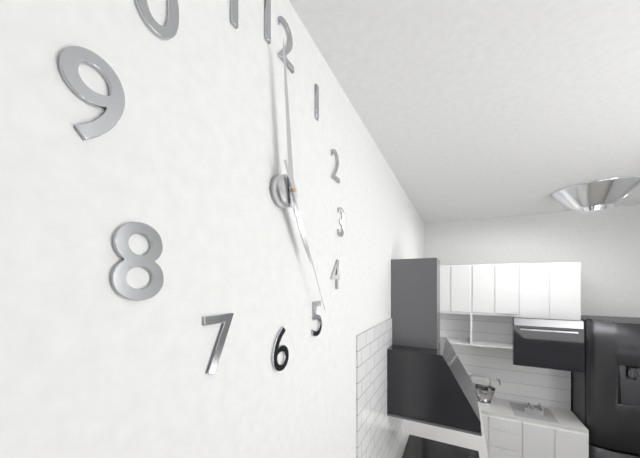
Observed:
{"hour": 4, "minute": 59, "second": 25}
